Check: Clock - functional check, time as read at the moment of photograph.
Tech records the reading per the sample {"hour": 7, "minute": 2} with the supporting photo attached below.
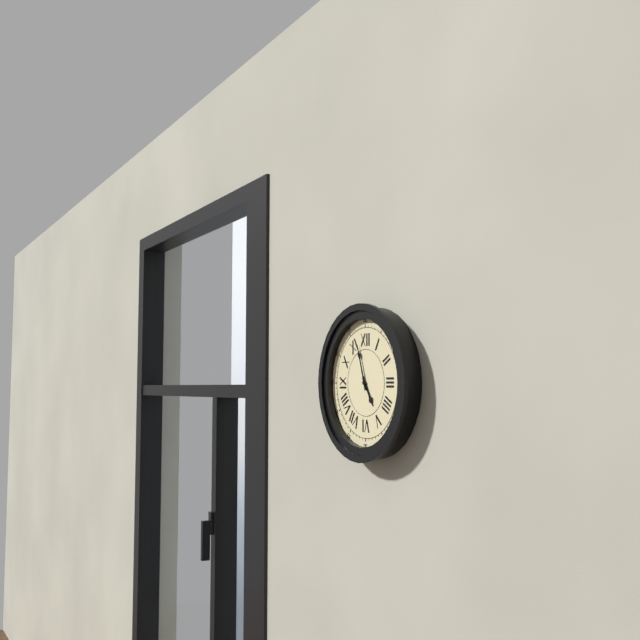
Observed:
{"hour": 4, "minute": 57}
